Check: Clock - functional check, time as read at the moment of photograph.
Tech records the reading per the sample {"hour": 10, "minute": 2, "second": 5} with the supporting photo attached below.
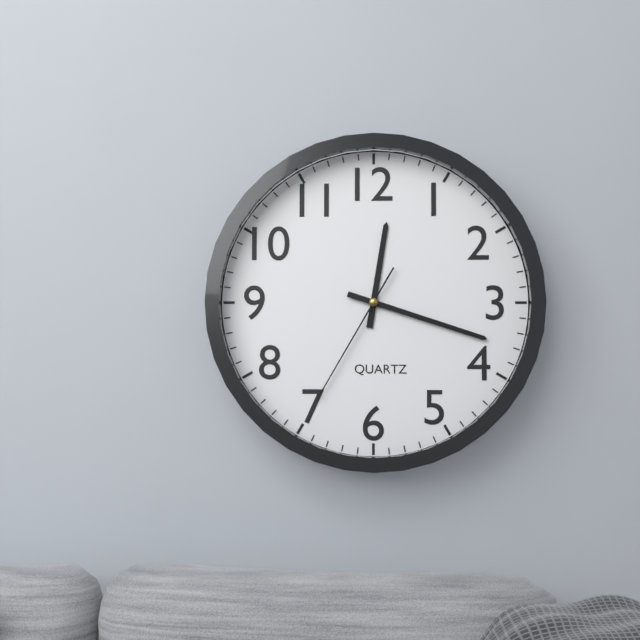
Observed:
{"hour": 12, "minute": 18, "second": 35}
